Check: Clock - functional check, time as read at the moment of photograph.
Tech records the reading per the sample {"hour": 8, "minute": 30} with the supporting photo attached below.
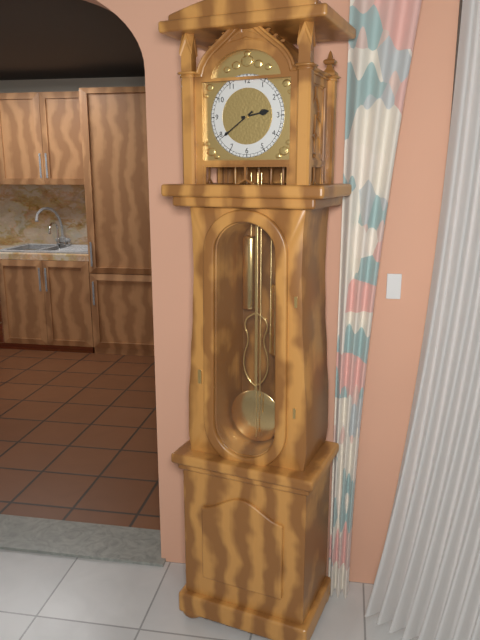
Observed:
{"hour": 2, "minute": 39}
